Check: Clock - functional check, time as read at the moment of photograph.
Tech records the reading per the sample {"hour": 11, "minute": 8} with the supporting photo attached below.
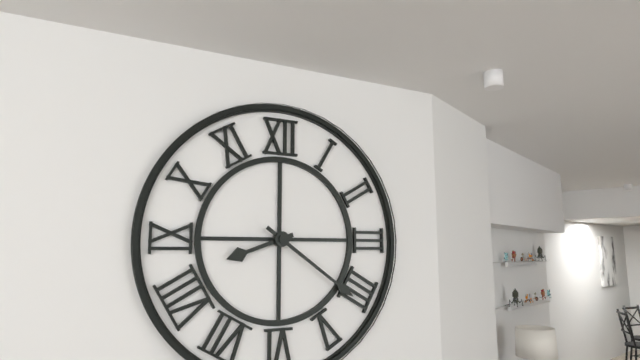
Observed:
{"hour": 8, "minute": 21}
